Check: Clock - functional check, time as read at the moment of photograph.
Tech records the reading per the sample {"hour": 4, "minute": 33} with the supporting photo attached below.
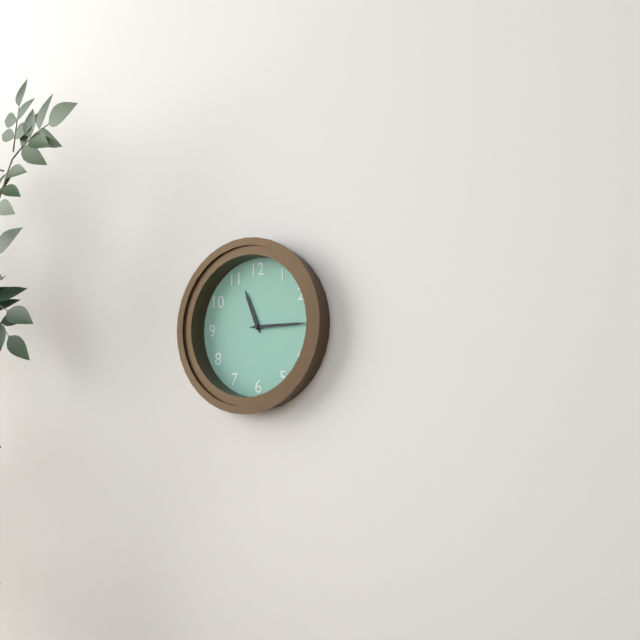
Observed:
{"hour": 11, "minute": 15}
